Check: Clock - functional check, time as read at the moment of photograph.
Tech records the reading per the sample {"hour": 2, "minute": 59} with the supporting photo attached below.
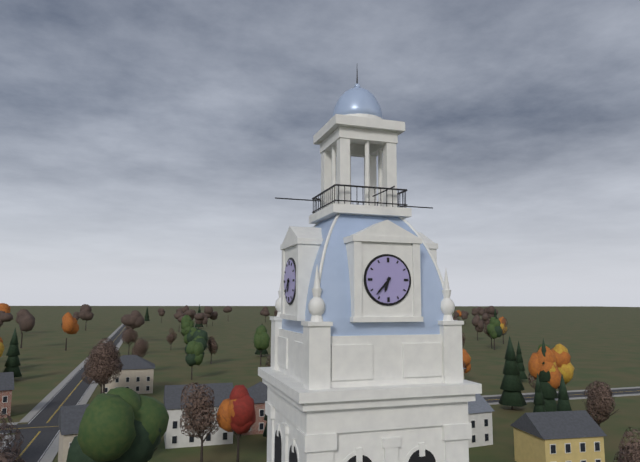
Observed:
{"hour": 6, "minute": 37}
